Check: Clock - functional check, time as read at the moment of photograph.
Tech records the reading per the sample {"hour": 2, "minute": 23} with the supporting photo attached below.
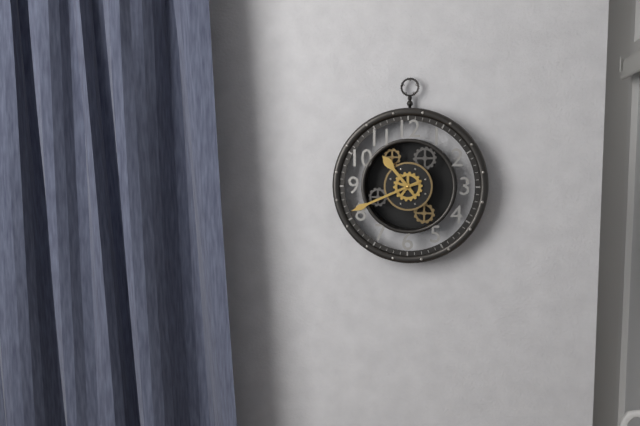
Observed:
{"hour": 10, "minute": 41}
